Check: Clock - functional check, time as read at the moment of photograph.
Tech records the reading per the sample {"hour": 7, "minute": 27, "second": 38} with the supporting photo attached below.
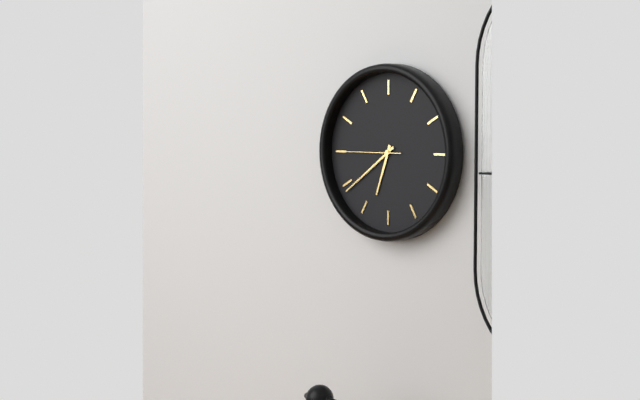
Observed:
{"hour": 6, "minute": 39, "second": 45}
